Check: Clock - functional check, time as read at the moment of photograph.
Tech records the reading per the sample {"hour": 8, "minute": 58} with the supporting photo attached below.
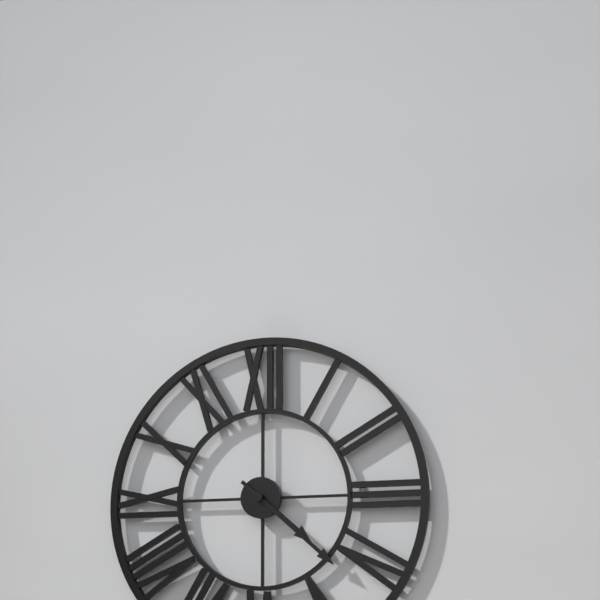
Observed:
{"hour": 4, "minute": 22}
